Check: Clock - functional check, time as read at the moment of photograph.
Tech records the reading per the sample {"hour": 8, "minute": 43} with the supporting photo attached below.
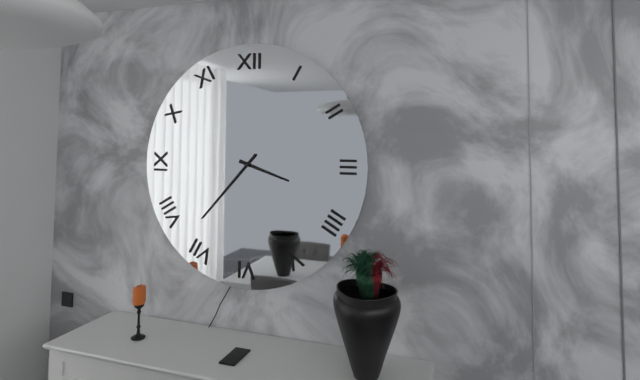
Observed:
{"hour": 3, "minute": 37}
